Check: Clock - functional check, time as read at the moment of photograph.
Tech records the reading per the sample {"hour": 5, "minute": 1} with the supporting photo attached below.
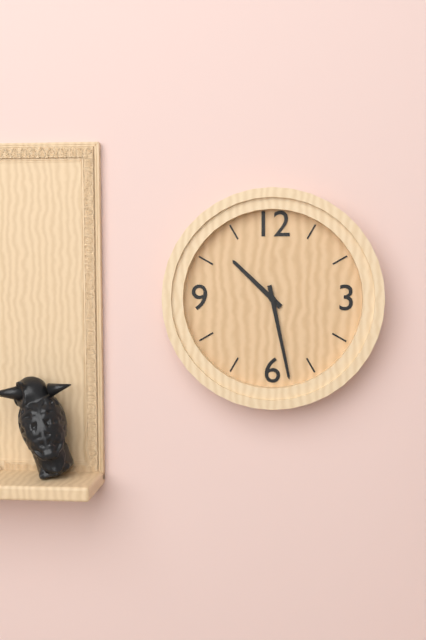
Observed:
{"hour": 10, "minute": 28}
